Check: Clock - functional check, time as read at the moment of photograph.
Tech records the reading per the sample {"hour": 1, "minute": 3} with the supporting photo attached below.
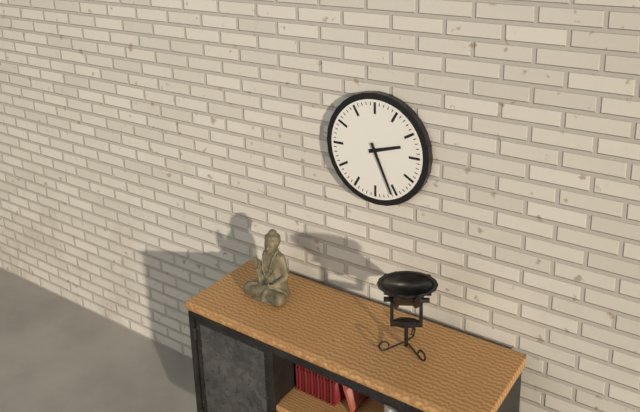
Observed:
{"hour": 2, "minute": 26}
